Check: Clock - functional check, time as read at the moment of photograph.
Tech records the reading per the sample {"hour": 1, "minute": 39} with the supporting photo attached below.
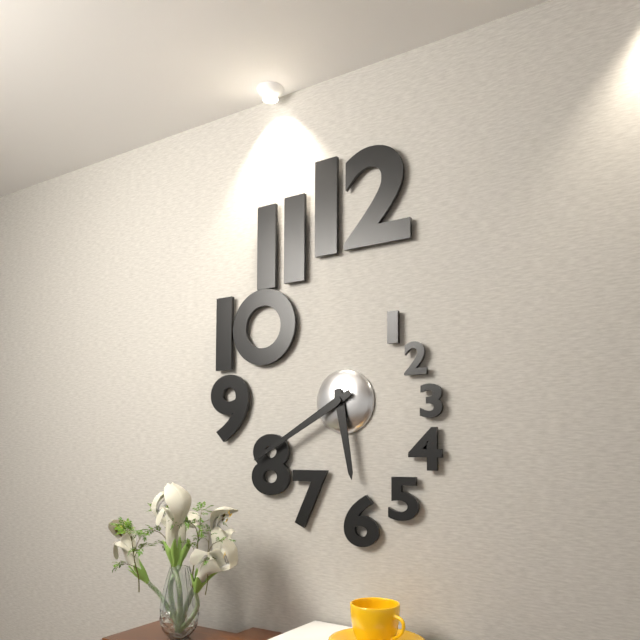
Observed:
{"hour": 5, "minute": 40}
